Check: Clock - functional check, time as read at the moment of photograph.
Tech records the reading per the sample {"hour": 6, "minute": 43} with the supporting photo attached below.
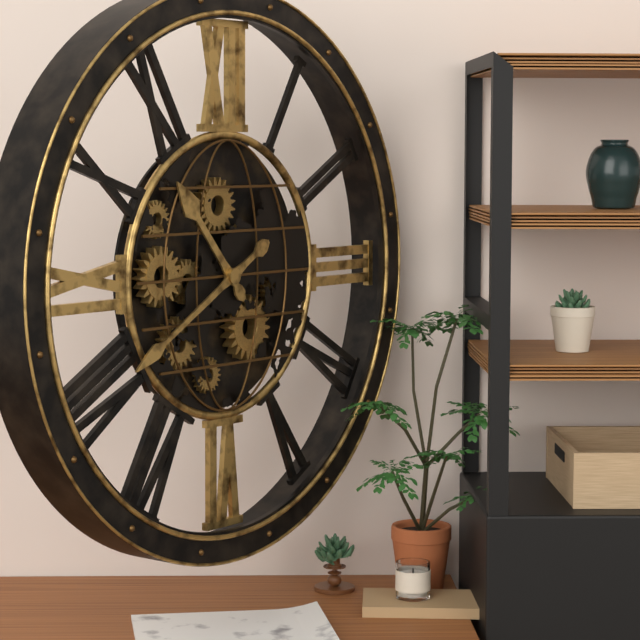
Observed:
{"hour": 10, "minute": 40}
